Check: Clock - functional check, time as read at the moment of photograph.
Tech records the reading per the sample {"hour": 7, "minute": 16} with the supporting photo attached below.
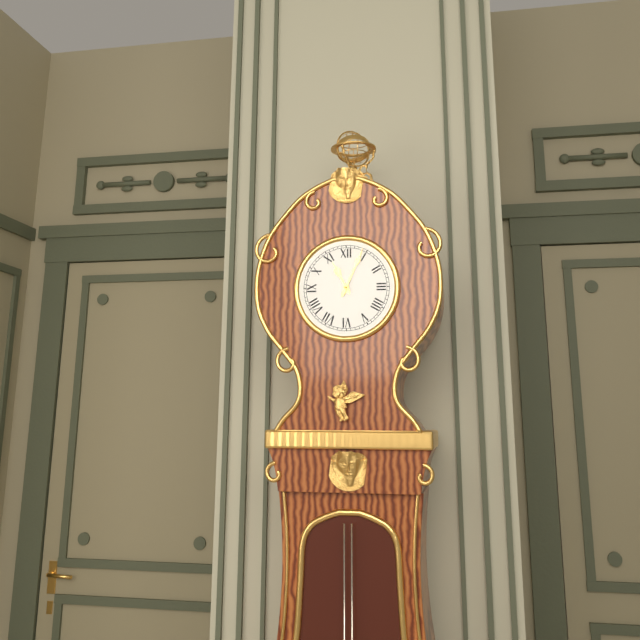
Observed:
{"hour": 11, "minute": 4}
